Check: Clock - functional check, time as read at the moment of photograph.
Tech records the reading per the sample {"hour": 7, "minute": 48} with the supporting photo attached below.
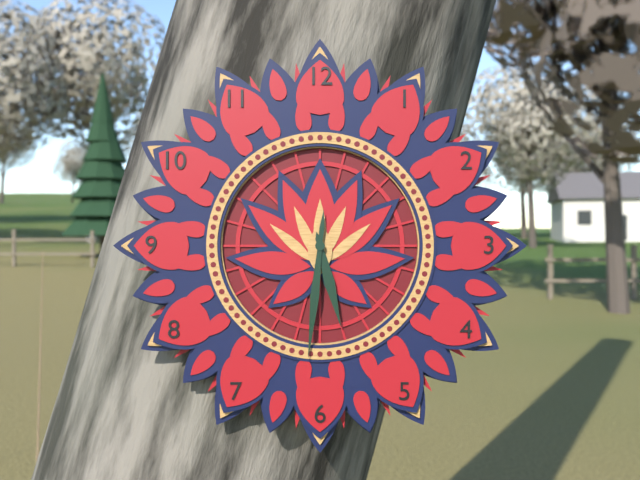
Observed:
{"hour": 5, "minute": 31}
